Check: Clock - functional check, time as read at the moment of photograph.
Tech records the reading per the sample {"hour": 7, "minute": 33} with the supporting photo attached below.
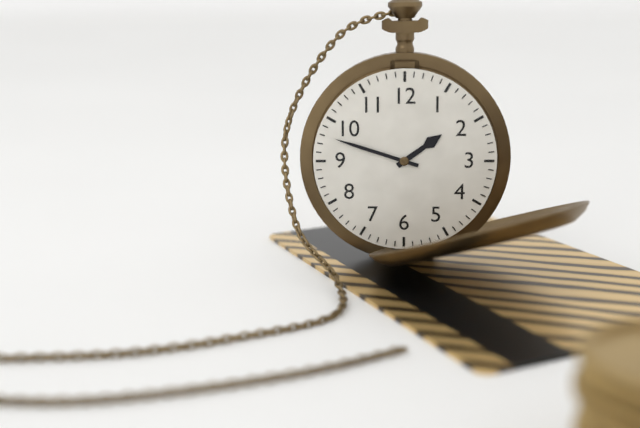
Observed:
{"hour": 1, "minute": 48}
